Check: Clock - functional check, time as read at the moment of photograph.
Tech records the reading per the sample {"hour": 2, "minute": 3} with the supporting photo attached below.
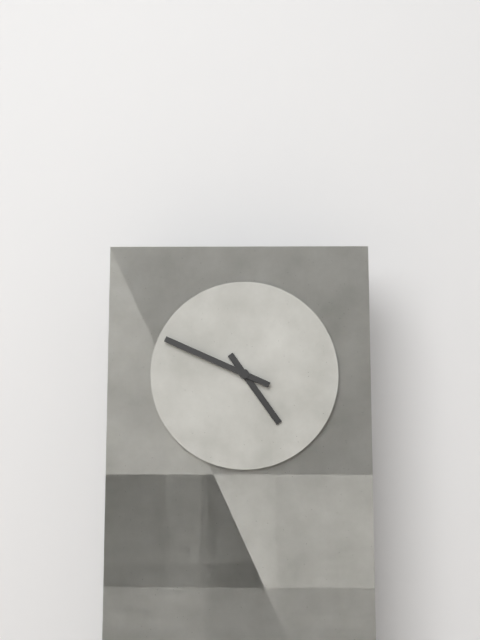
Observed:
{"hour": 4, "minute": 49}
